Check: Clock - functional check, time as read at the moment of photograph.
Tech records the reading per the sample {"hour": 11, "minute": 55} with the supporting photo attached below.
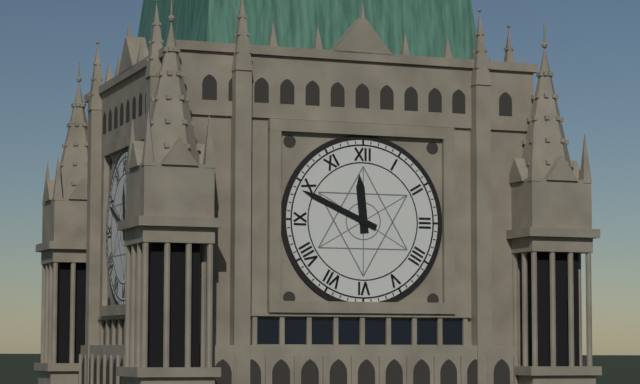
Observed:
{"hour": 11, "minute": 49}
